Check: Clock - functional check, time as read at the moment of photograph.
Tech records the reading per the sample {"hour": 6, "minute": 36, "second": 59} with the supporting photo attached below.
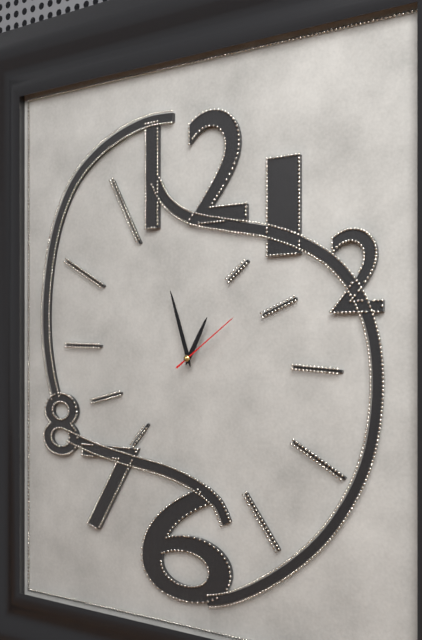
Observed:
{"hour": 12, "minute": 57, "second": 9}
